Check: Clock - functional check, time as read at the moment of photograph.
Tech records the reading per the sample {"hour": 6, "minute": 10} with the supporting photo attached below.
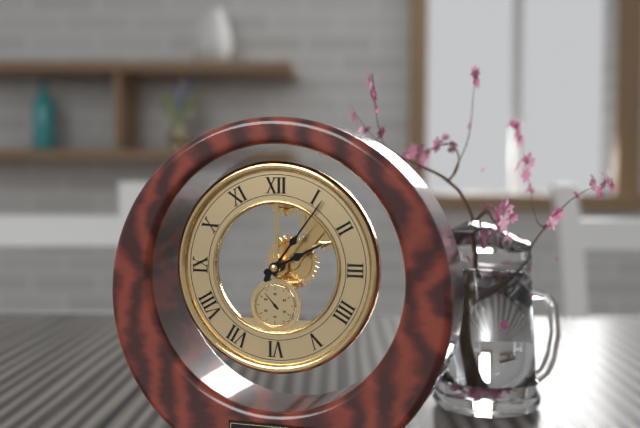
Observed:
{"hour": 2, "minute": 6}
